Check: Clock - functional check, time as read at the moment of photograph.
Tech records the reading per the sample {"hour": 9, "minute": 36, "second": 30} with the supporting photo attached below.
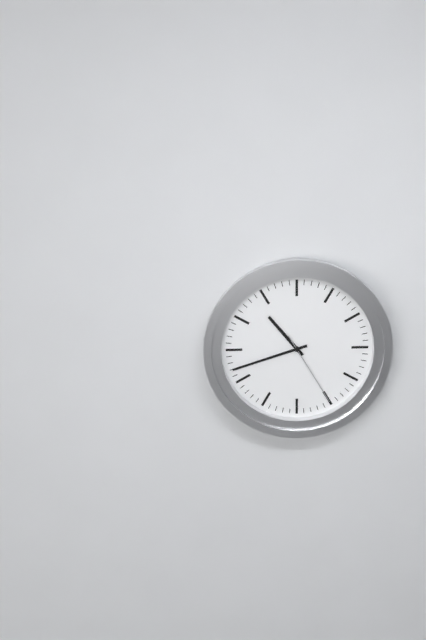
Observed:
{"hour": 10, "minute": 42, "second": 25}
